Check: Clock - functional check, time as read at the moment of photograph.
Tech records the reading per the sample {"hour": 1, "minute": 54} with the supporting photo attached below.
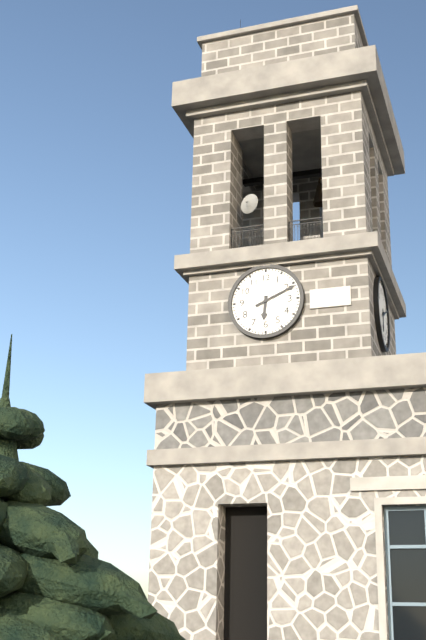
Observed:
{"hour": 6, "minute": 11}
